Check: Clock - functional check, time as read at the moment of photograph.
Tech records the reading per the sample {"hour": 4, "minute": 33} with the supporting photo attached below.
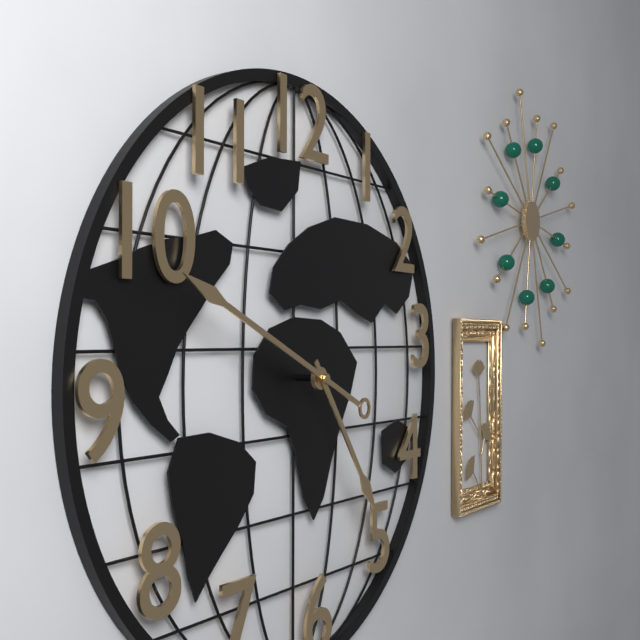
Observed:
{"hour": 4, "minute": 49}
